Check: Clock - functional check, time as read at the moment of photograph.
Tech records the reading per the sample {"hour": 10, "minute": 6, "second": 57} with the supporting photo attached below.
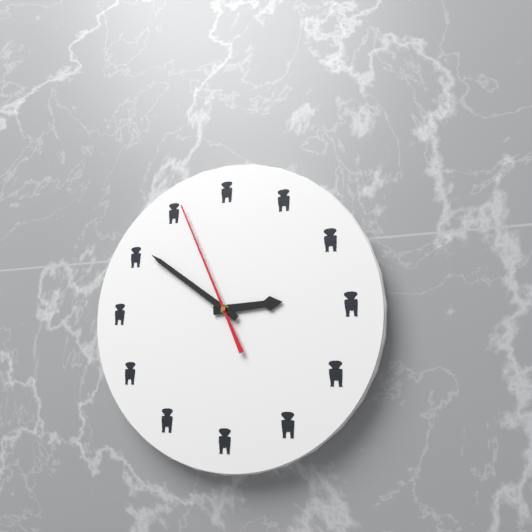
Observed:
{"hour": 2, "minute": 51, "second": 56}
